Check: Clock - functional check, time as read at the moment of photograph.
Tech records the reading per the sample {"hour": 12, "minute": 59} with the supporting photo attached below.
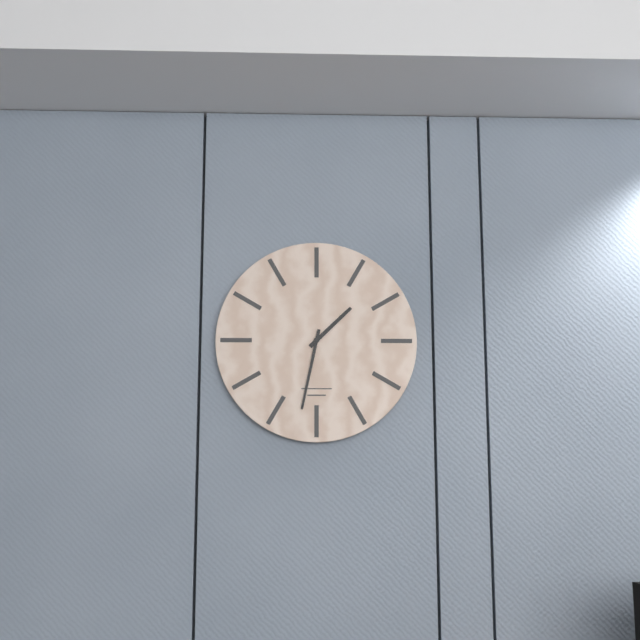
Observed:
{"hour": 1, "minute": 32}
